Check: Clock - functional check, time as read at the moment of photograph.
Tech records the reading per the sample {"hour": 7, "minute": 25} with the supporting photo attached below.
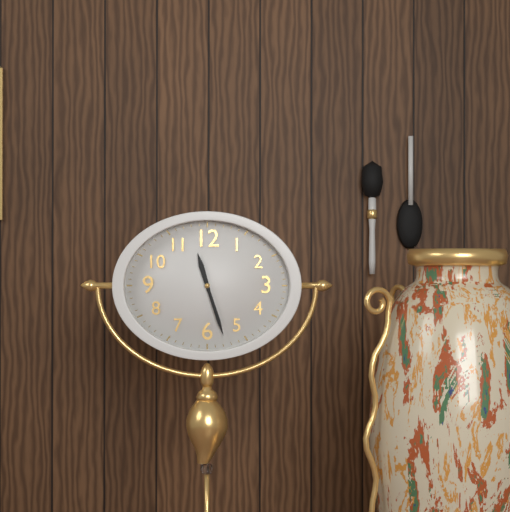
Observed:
{"hour": 11, "minute": 27}
